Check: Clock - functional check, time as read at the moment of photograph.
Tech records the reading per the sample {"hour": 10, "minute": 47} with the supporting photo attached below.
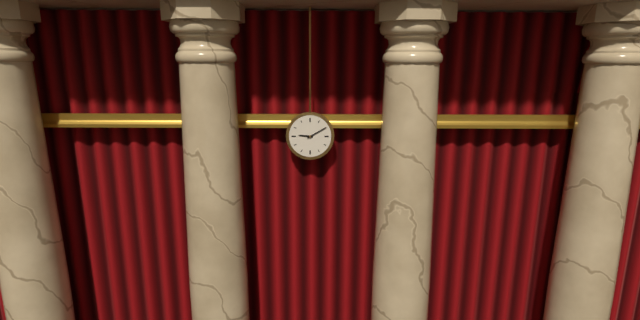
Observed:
{"hour": 9, "minute": 10}
